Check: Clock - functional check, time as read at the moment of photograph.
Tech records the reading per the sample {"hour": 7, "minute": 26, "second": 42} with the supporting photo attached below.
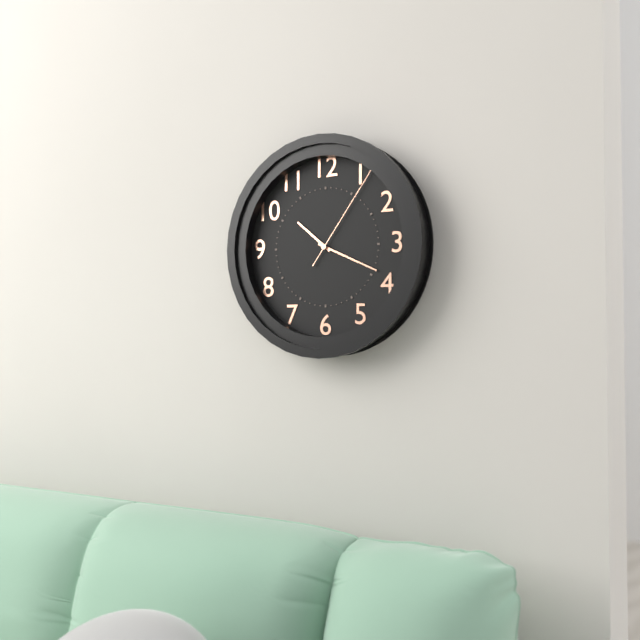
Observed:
{"hour": 10, "minute": 19, "second": 6}
